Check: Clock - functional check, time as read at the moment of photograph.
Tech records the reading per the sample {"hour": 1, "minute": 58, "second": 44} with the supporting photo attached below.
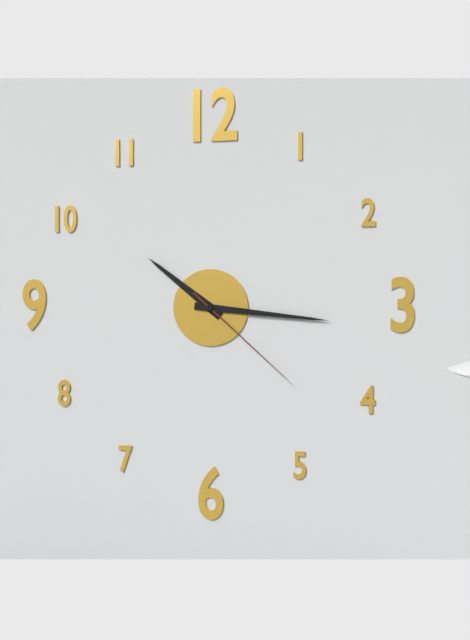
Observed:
{"hour": 10, "minute": 16, "second": 22}
